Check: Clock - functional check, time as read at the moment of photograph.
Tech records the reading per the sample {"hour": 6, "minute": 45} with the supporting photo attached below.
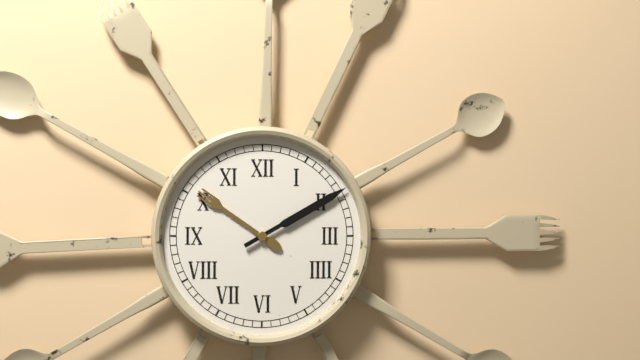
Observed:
{"hour": 10, "minute": 10}
